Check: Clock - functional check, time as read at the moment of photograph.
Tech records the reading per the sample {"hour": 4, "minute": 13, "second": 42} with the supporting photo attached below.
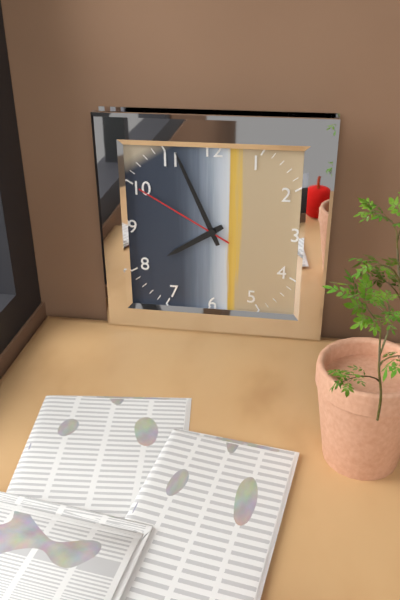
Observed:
{"hour": 7, "minute": 56, "second": 50}
